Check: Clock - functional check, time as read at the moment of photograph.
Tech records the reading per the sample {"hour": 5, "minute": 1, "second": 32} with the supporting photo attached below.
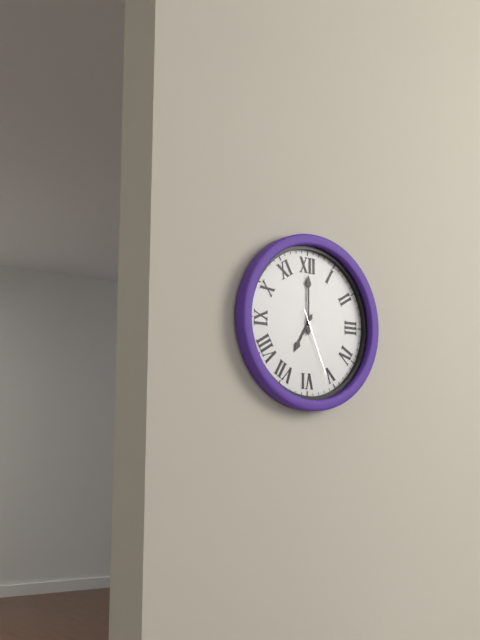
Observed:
{"hour": 7, "minute": 0, "second": 26}
